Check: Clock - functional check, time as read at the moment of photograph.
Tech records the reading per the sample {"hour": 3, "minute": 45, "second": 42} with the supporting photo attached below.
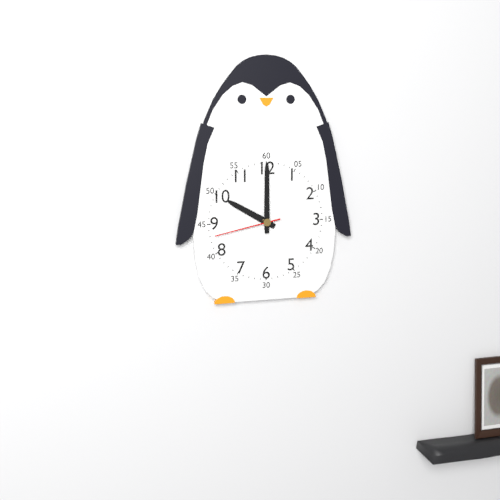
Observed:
{"hour": 10, "minute": 0, "second": 43}
